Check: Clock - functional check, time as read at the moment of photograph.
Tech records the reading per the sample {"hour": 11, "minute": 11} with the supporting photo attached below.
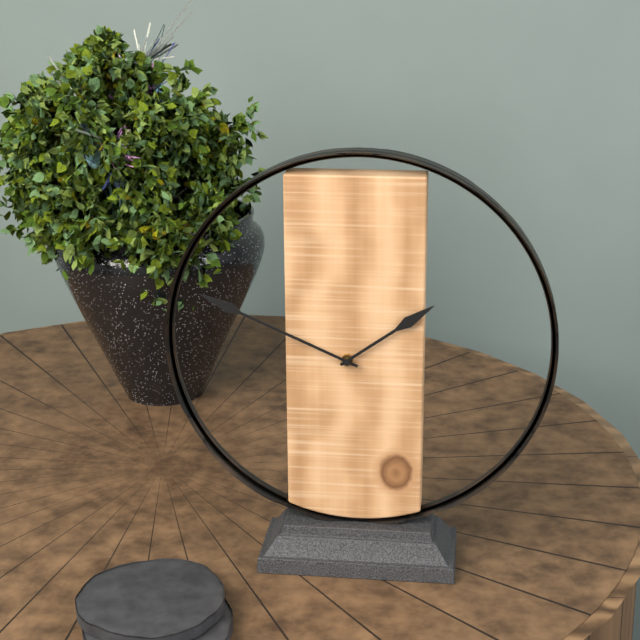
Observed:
{"hour": 1, "minute": 49}
